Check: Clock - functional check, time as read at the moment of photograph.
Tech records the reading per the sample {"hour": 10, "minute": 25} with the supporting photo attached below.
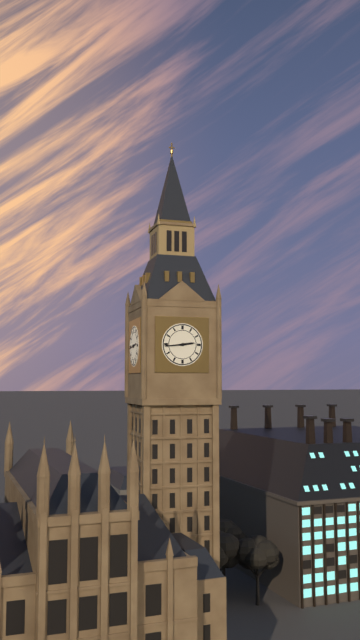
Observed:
{"hour": 2, "minute": 44}
